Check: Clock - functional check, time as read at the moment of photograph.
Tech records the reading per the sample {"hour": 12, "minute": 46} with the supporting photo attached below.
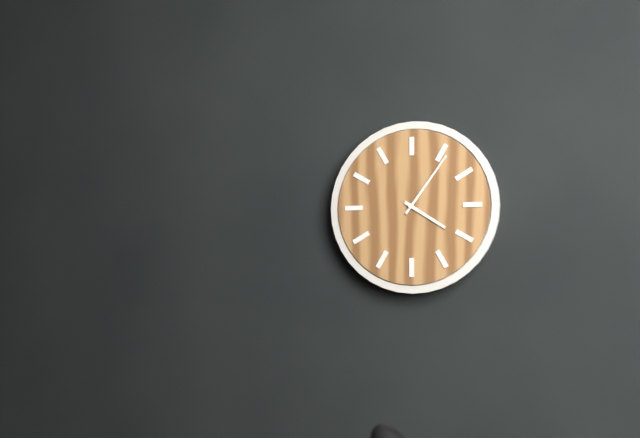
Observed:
{"hour": 4, "minute": 6}
